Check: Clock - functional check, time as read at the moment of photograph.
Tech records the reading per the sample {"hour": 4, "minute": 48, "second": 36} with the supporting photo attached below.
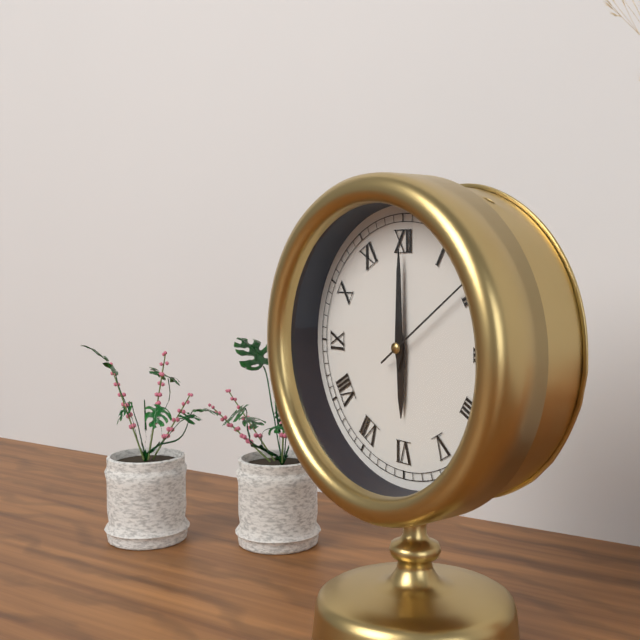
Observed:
{"hour": 6, "minute": 0, "second": 9}
